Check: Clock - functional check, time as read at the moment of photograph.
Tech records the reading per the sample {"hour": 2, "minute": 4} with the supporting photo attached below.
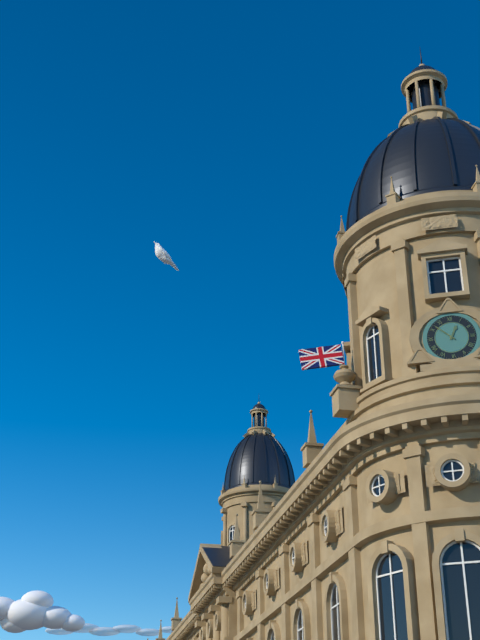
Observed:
{"hour": 12, "minute": 52}
